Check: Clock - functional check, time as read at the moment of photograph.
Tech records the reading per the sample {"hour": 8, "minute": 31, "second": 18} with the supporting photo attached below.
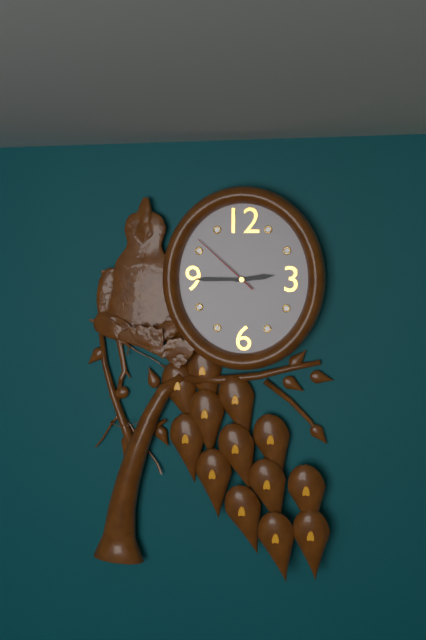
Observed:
{"hour": 2, "minute": 45, "second": 52}
